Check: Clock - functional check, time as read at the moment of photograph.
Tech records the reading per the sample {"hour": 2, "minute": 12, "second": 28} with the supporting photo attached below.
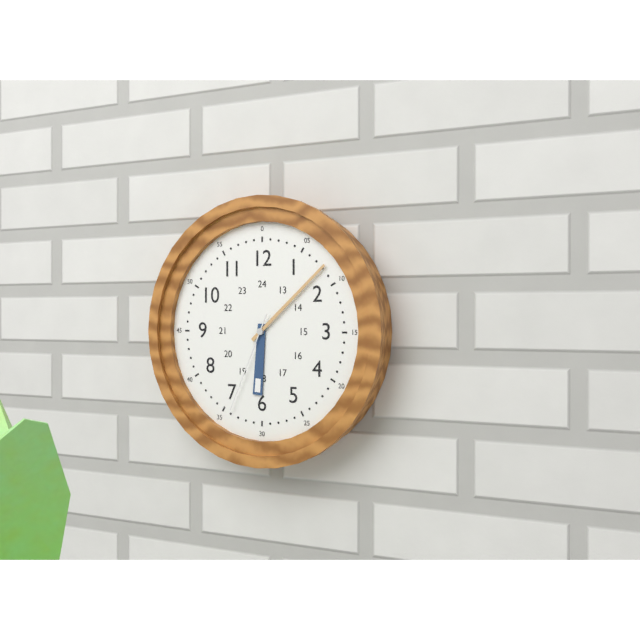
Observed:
{"hour": 6, "minute": 8, "second": 34}
